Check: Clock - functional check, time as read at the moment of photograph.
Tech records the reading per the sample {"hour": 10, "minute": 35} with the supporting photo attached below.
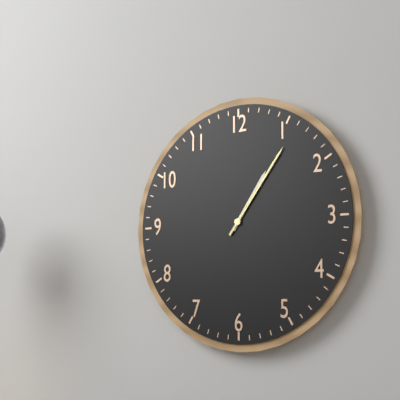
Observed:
{"hour": 1, "minute": 6}
